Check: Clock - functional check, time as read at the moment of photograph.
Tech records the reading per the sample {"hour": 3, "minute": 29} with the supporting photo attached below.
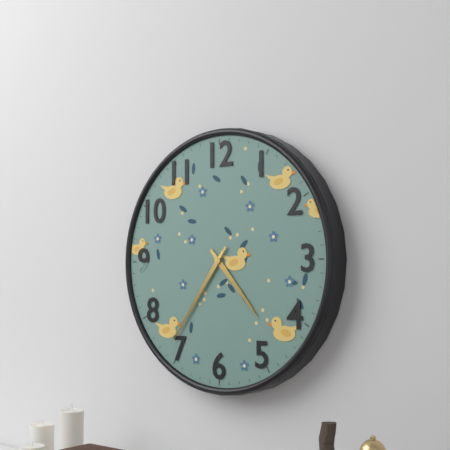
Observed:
{"hour": 4, "minute": 36}
